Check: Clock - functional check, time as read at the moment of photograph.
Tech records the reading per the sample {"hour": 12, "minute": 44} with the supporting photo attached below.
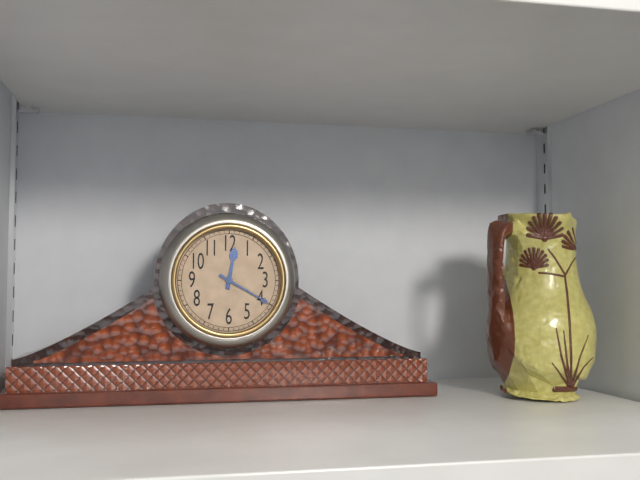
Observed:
{"hour": 12, "minute": 20}
